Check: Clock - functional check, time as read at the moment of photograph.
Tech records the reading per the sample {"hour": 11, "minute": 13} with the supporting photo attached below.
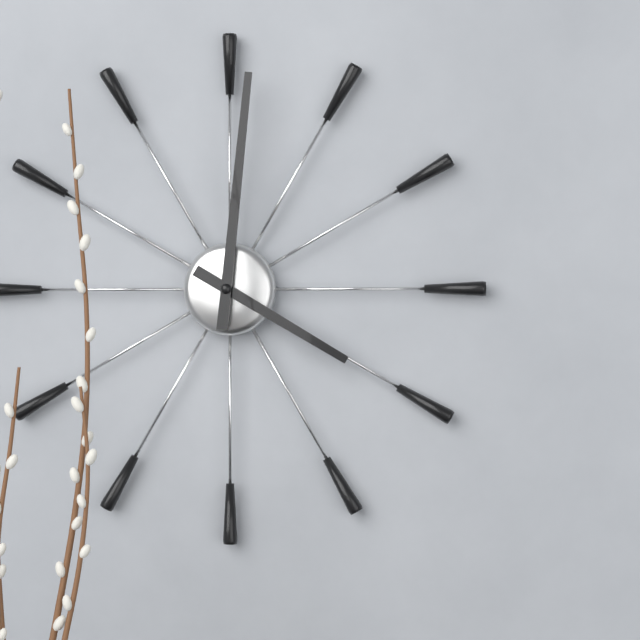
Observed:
{"hour": 4, "minute": 1}
